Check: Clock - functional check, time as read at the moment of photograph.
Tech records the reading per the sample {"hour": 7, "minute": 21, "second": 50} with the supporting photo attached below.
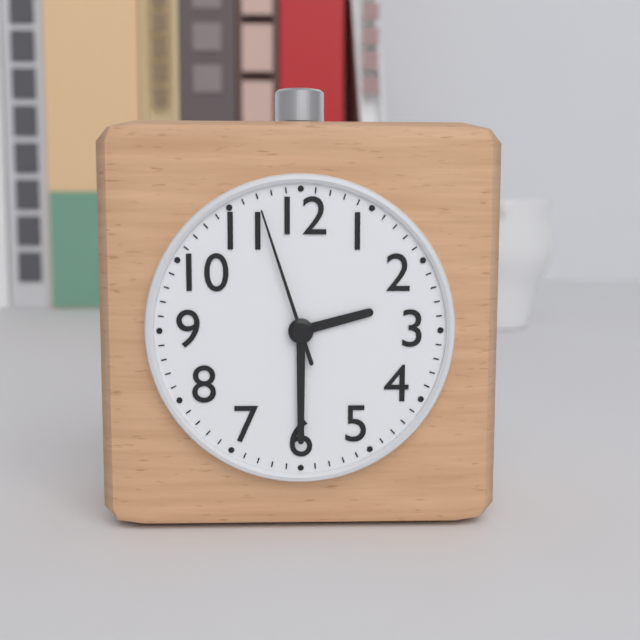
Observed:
{"hour": 2, "minute": 30, "second": 57}
